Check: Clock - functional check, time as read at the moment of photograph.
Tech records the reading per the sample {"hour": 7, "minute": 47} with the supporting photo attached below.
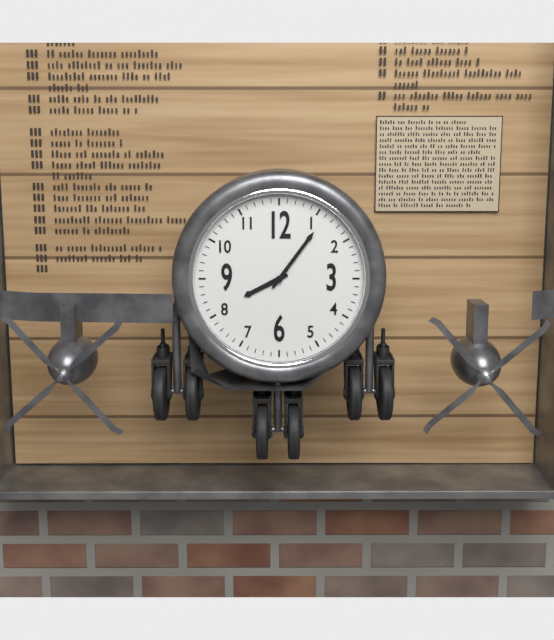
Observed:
{"hour": 8, "minute": 6}
